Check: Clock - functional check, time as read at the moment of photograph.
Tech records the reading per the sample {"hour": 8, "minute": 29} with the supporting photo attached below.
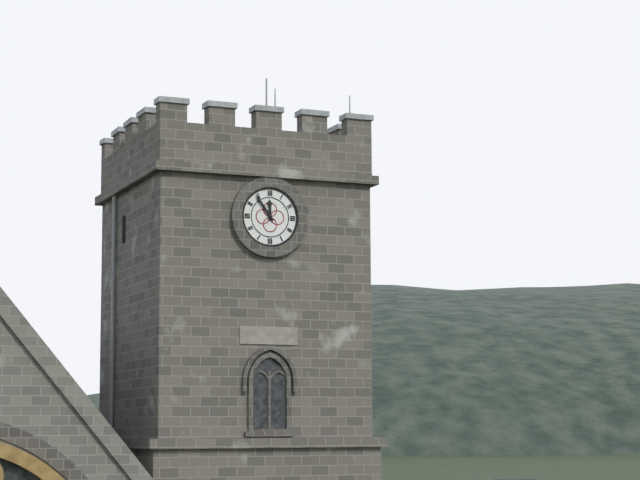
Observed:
{"hour": 11, "minute": 54}
